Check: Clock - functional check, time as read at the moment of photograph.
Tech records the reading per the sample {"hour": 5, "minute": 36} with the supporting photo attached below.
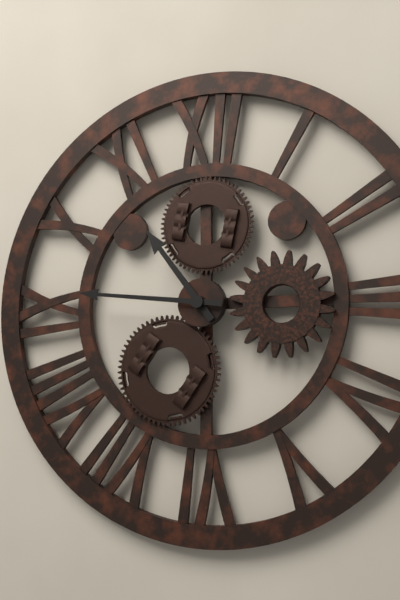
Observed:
{"hour": 10, "minute": 46}
